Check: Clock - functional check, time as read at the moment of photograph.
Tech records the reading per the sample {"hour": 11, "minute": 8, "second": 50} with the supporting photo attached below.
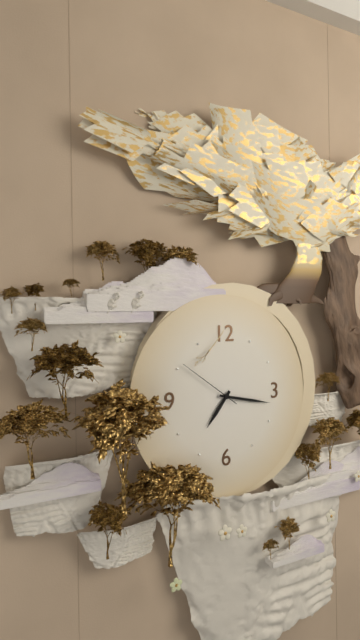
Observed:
{"hour": 7, "minute": 17, "second": 51}
